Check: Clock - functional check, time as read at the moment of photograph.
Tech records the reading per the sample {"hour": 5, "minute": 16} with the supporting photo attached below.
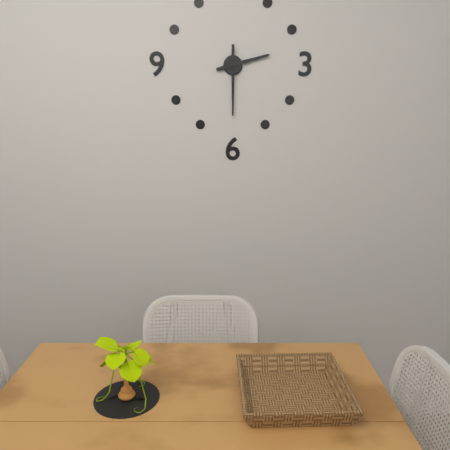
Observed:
{"hour": 2, "minute": 30}
